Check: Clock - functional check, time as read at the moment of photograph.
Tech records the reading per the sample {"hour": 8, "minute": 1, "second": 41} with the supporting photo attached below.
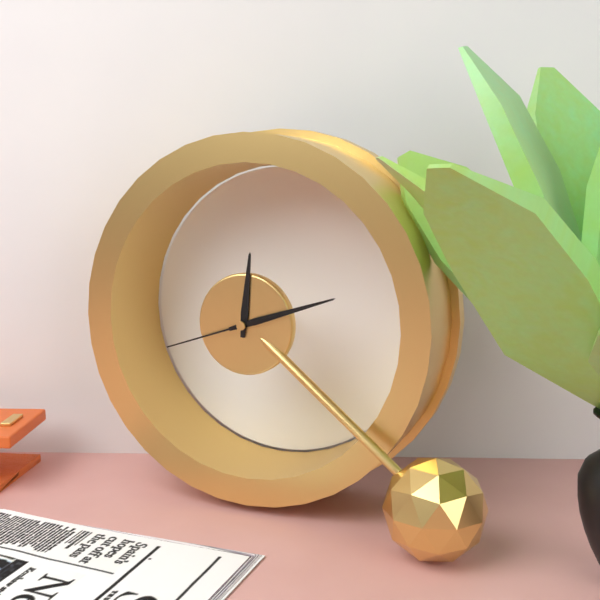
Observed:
{"hour": 12, "minute": 12, "second": 42}
